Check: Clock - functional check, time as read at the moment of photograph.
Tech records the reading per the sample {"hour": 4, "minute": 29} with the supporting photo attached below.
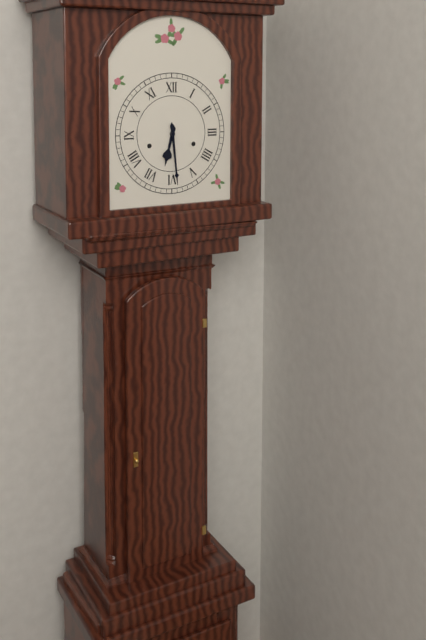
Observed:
{"hour": 6, "minute": 29}
